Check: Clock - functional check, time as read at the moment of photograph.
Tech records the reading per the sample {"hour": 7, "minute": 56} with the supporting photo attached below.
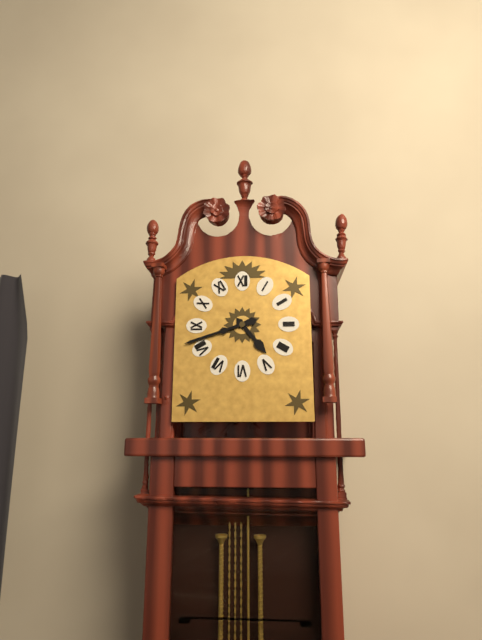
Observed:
{"hour": 4, "minute": 42}
